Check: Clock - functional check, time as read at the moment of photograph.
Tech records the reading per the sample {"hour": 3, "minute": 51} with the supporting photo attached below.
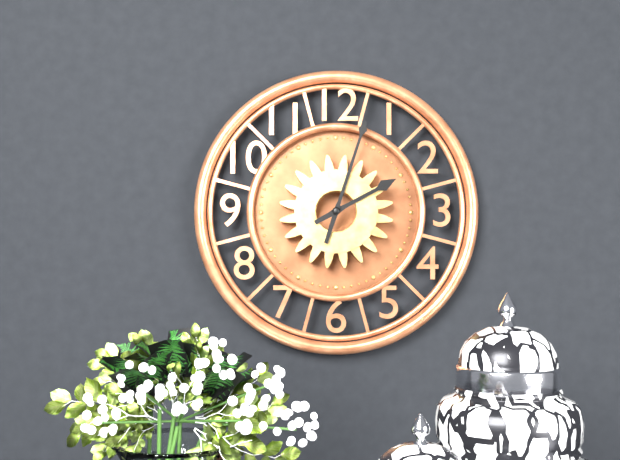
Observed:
{"hour": 2, "minute": 3}
